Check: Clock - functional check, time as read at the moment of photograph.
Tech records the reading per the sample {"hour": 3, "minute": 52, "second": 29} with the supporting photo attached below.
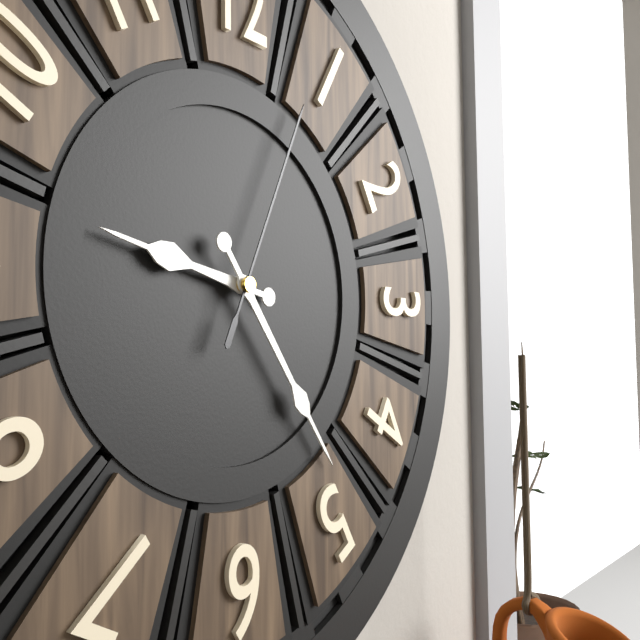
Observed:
{"hour": 9, "minute": 24, "second": 4}
